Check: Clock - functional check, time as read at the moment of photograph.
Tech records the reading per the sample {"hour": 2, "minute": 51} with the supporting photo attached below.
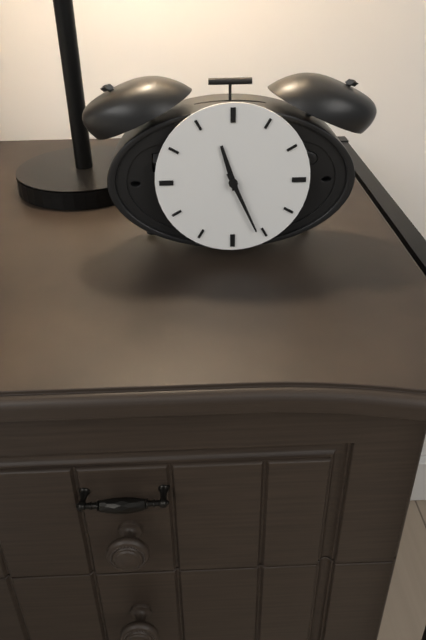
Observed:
{"hour": 11, "minute": 26}
